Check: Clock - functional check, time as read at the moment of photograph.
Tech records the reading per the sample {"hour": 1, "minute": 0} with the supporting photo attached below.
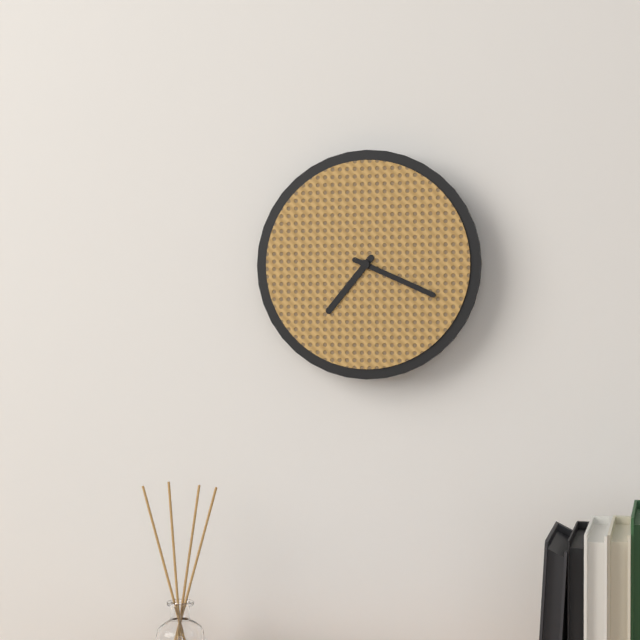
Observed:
{"hour": 7, "minute": 19}
